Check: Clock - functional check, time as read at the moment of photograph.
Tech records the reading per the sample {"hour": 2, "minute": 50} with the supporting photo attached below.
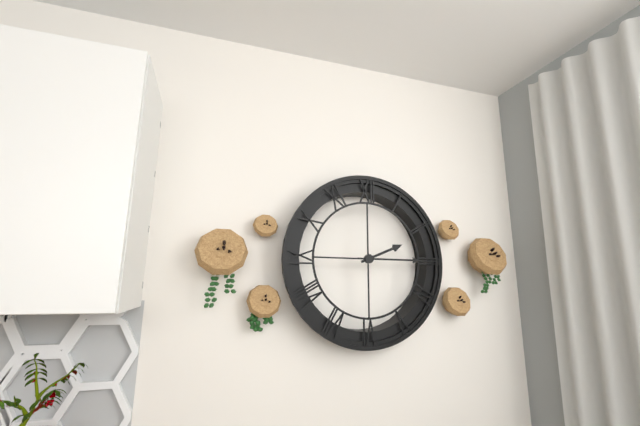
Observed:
{"hour": 2, "minute": 15}
